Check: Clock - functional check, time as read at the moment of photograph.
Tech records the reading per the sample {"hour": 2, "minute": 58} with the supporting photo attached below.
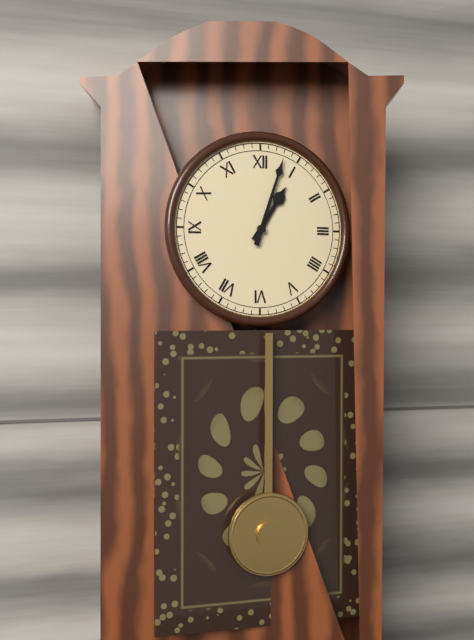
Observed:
{"hour": 1, "minute": 3}
